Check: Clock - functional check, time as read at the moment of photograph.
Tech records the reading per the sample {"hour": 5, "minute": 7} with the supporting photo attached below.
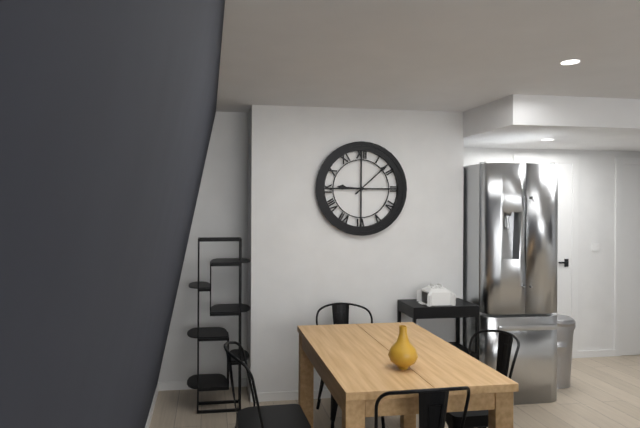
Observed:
{"hour": 9, "minute": 8}
